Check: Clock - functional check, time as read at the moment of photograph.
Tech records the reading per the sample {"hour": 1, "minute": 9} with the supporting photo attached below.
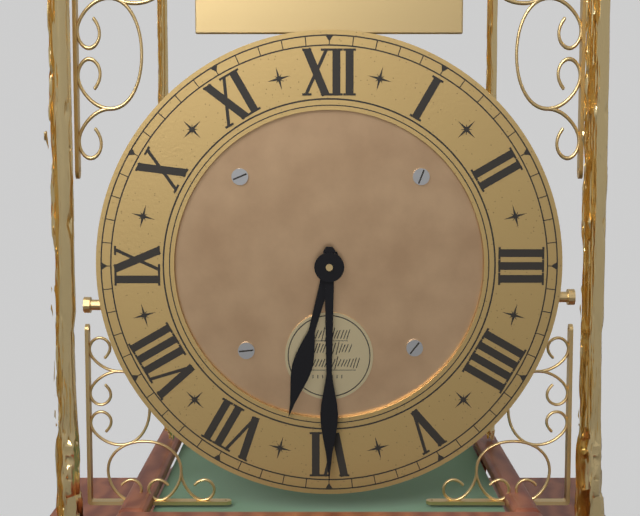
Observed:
{"hour": 6, "minute": 30}
